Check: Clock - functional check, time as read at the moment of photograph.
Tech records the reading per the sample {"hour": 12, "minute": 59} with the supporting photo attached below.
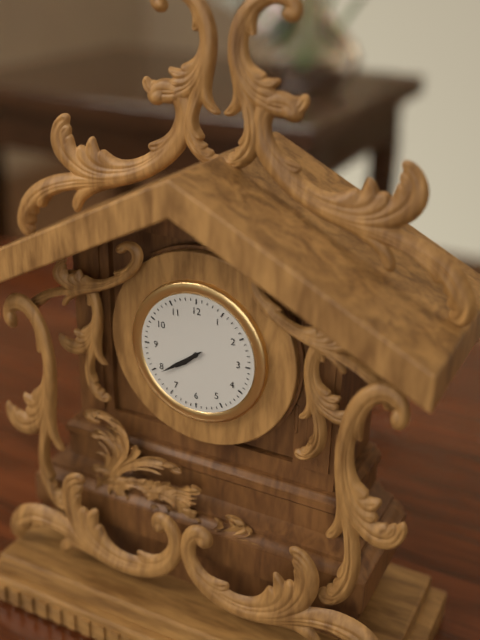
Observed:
{"hour": 7, "minute": 39}
